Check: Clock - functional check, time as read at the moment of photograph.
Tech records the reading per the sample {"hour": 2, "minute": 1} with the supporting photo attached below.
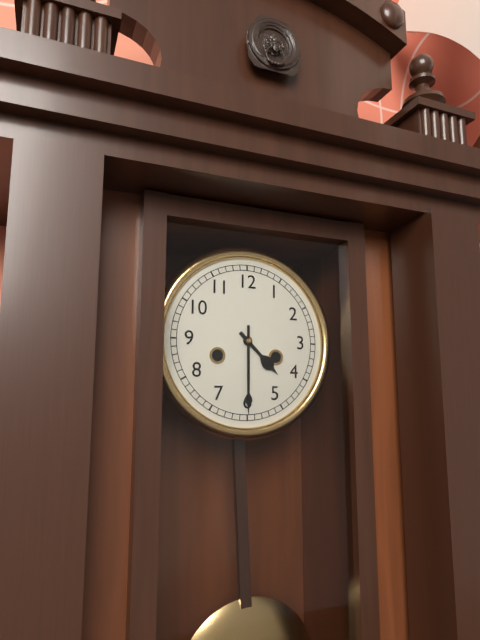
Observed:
{"hour": 4, "minute": 30}
